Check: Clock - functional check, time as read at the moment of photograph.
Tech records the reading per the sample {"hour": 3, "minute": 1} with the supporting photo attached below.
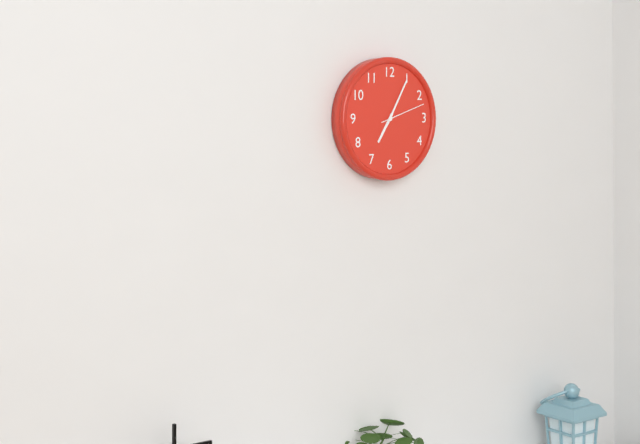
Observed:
{"hour": 7, "minute": 5}
